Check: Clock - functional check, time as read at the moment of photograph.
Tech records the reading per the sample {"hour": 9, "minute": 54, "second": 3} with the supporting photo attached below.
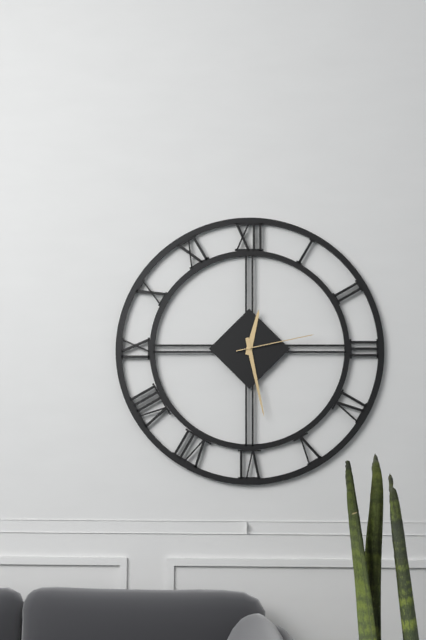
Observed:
{"hour": 12, "minute": 28, "second": 13}
